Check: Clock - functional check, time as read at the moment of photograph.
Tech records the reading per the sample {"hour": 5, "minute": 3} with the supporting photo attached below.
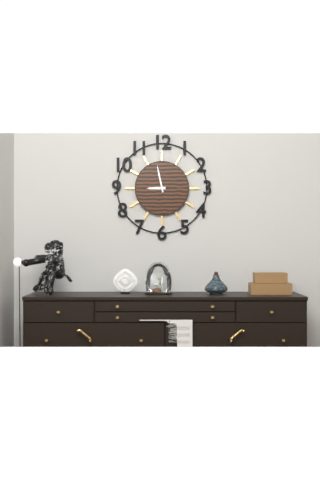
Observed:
{"hour": 8, "minute": 58}
